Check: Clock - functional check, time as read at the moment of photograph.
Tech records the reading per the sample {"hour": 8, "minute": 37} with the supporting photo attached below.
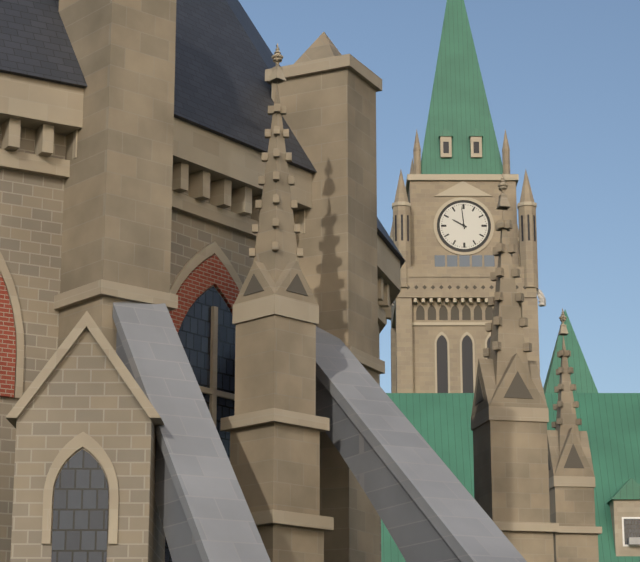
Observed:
{"hour": 9, "minute": 59}
